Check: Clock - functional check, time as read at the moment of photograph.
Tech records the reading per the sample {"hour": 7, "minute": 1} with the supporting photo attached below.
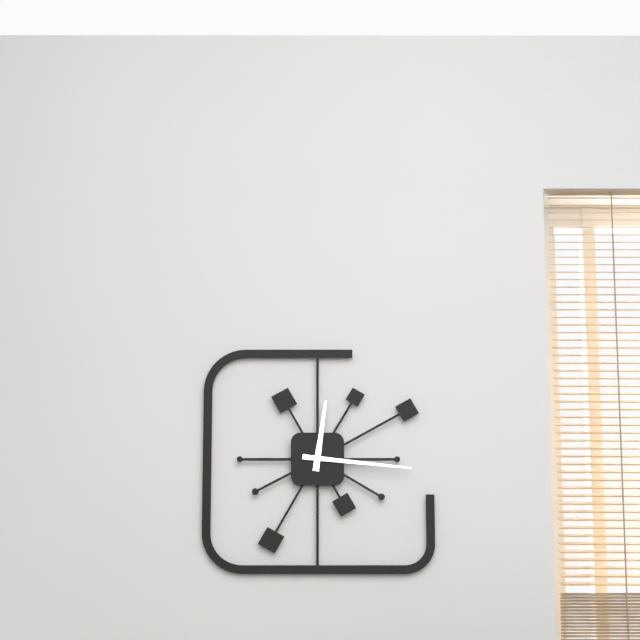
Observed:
{"hour": 12, "minute": 16}
